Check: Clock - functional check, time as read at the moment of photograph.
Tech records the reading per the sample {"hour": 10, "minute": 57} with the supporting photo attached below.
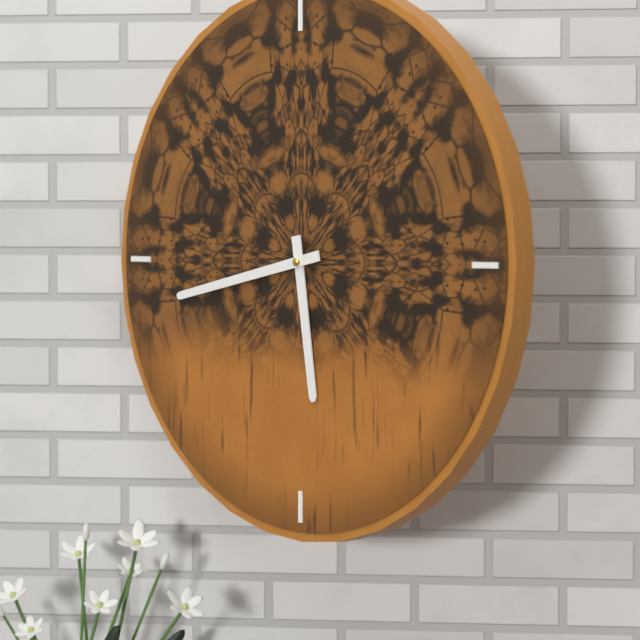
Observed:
{"hour": 5, "minute": 43}
